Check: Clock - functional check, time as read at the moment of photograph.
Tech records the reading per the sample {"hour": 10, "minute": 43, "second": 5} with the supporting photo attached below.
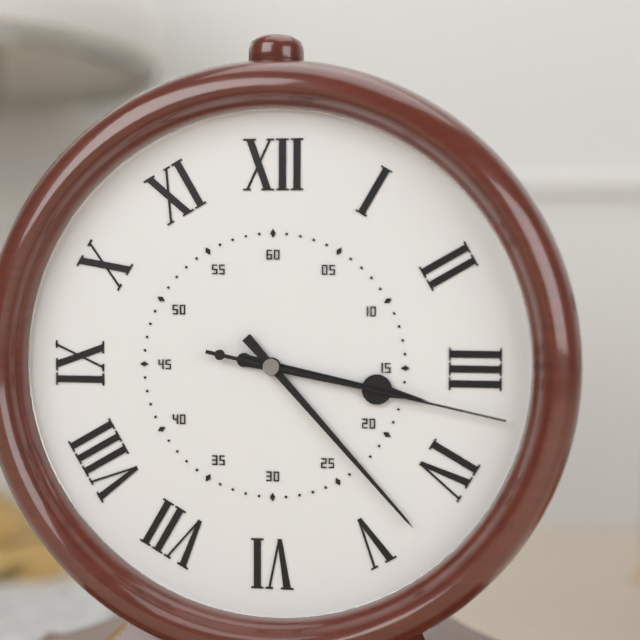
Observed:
{"hour": 3, "minute": 23, "second": 17}
